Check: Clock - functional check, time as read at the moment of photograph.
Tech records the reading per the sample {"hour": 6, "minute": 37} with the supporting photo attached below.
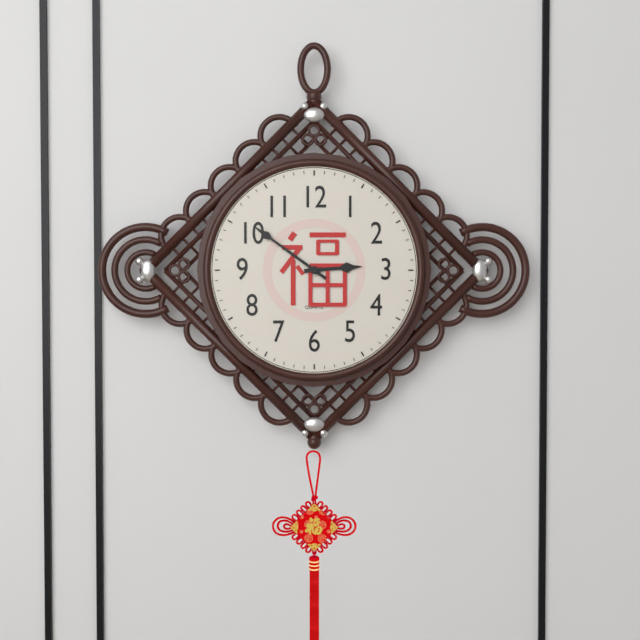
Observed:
{"hour": 2, "minute": 51}
